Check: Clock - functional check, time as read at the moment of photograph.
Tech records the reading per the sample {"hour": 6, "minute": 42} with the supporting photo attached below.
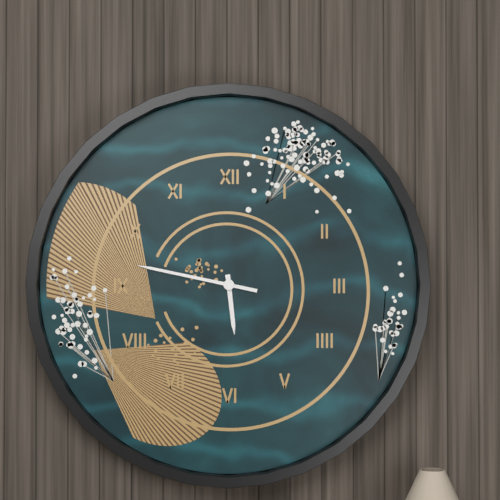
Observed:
{"hour": 5, "minute": 47}
